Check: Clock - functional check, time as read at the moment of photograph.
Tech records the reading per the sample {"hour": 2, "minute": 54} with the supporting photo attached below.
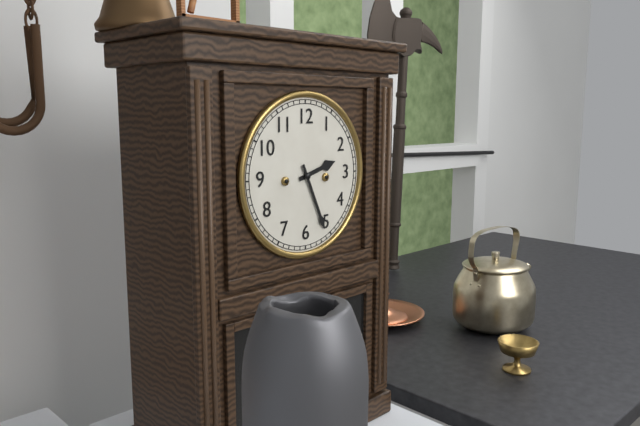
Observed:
{"hour": 2, "minute": 26}
